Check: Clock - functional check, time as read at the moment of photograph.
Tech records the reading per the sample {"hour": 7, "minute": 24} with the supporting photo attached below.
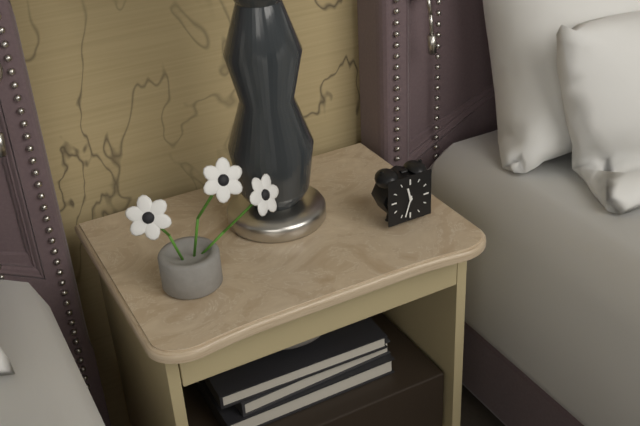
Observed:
{"hour": 11, "minute": 33}
